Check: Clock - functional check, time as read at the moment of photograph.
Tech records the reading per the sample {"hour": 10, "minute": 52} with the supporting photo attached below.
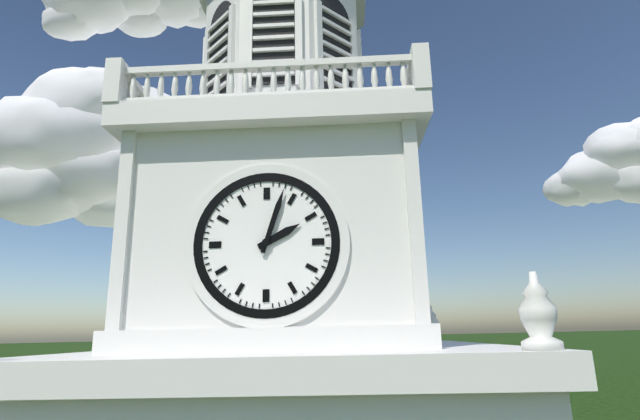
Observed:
{"hour": 2, "minute": 3}
